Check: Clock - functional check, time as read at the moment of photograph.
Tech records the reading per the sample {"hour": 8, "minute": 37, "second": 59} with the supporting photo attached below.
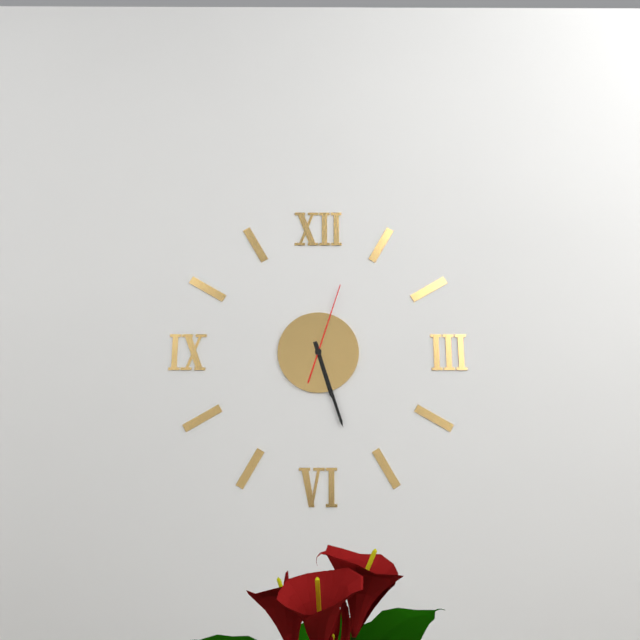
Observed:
{"hour": 5, "minute": 27, "second": 3}
